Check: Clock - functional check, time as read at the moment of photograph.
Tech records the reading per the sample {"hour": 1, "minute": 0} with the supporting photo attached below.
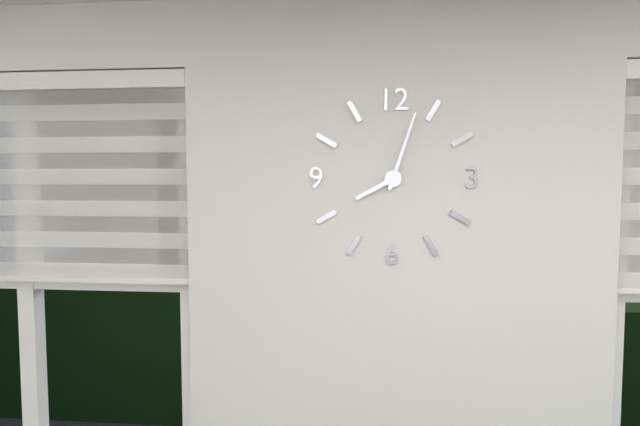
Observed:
{"hour": 8, "minute": 3}
